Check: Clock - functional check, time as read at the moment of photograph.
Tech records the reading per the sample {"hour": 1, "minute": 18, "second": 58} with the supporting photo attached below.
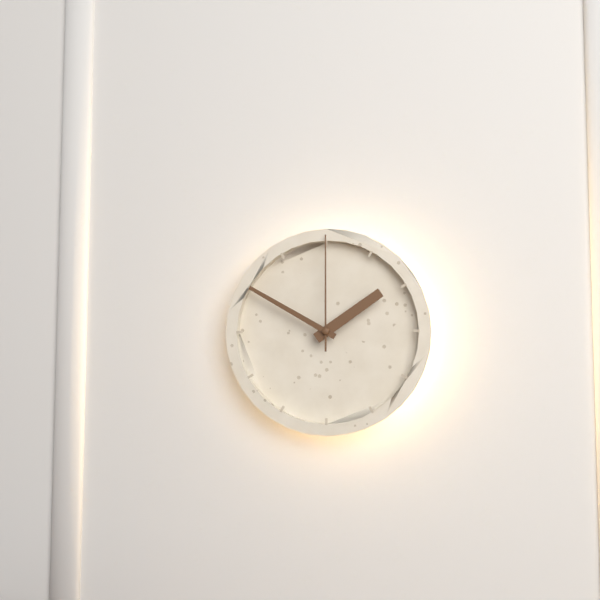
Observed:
{"hour": 1, "minute": 50, "second": 0}
